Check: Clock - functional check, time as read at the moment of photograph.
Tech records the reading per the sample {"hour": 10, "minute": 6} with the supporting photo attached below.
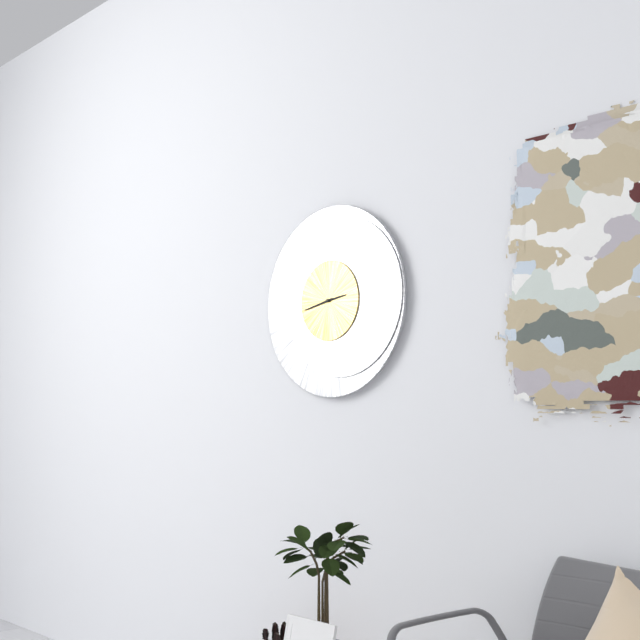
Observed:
{"hour": 2, "minute": 43}
